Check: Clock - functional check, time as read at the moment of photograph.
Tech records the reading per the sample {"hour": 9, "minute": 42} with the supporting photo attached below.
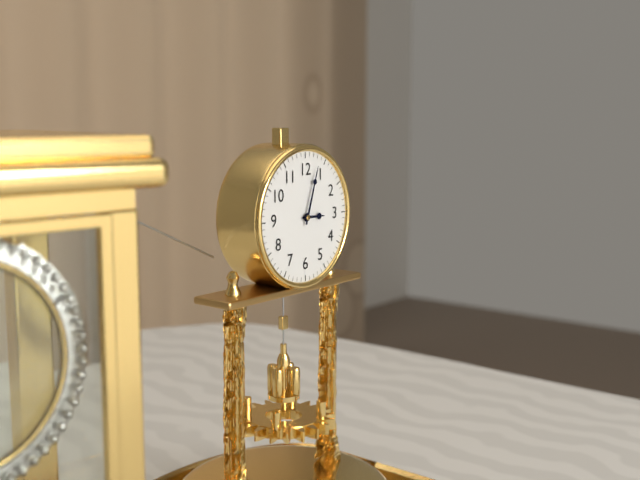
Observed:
{"hour": 3, "minute": 3}
